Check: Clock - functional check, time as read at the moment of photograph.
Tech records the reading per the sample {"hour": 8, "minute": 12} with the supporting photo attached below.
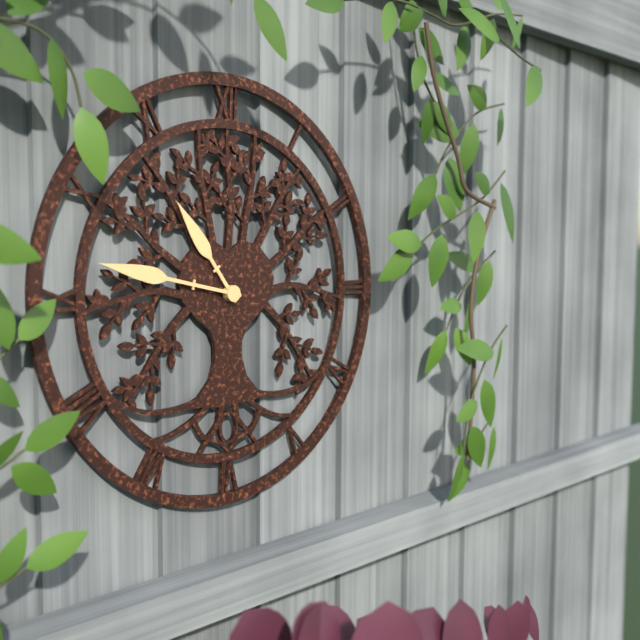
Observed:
{"hour": 10, "minute": 47}
